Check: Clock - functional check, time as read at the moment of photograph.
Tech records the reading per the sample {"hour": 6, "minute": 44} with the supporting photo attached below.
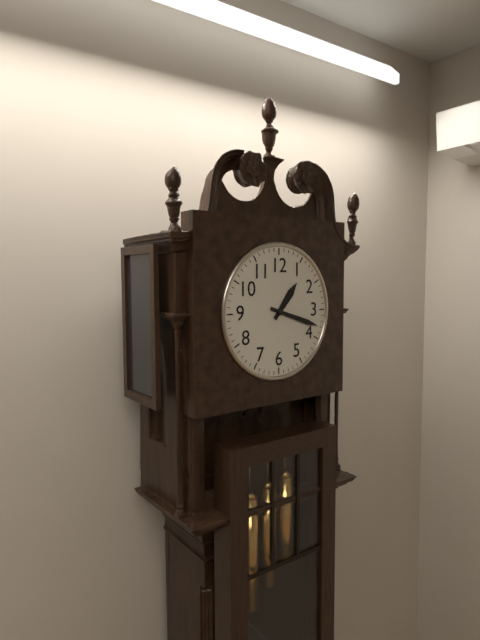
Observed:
{"hour": 1, "minute": 18}
